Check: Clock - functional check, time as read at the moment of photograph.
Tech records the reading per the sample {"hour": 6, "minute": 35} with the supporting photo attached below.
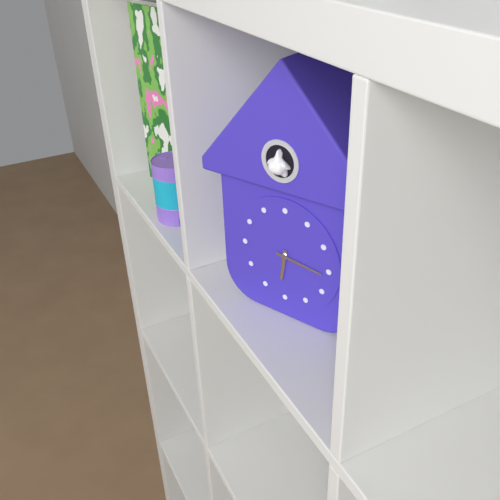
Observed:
{"hour": 6, "minute": 16}
